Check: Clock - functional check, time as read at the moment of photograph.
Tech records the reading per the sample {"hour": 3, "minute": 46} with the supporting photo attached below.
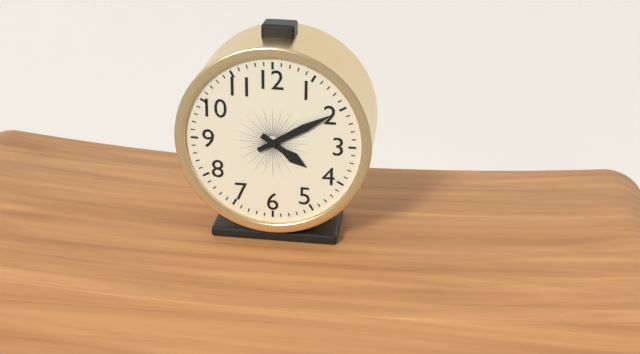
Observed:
{"hour": 4, "minute": 10}
